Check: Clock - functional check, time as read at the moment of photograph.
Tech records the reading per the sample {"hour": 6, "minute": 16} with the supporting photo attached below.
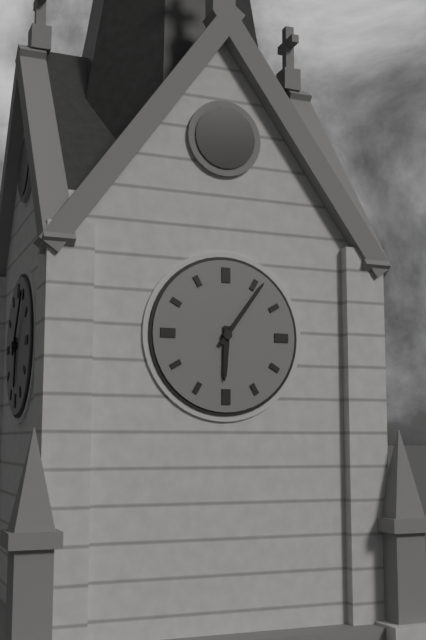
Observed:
{"hour": 6, "minute": 6}
